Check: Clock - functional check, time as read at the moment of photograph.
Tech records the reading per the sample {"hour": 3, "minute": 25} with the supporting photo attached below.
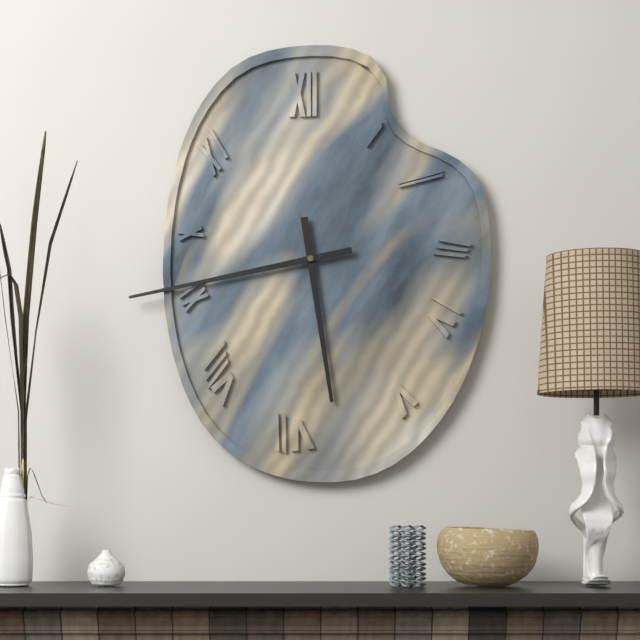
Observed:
{"hour": 5, "minute": 43}
